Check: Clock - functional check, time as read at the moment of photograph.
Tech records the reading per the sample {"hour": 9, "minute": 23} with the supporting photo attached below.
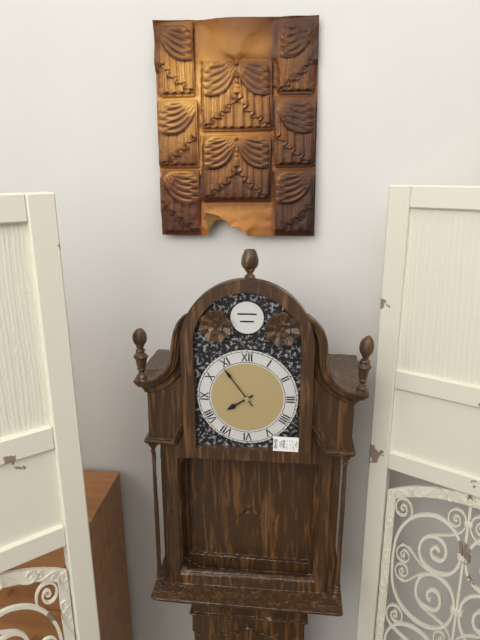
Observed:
{"hour": 7, "minute": 54}
